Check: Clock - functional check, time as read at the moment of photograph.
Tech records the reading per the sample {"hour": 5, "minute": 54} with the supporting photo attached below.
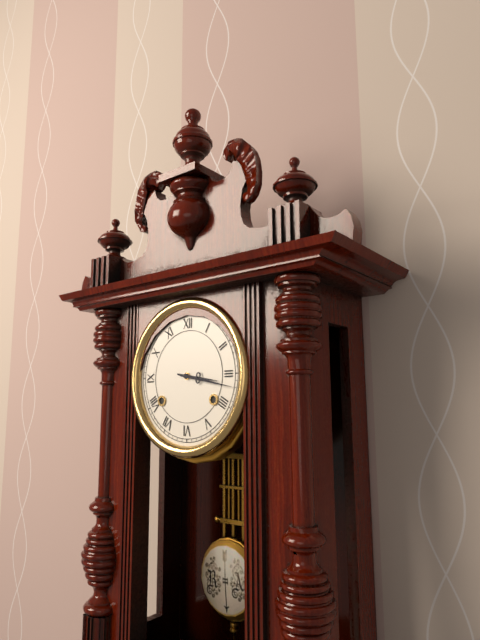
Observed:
{"hour": 3, "minute": 17}
